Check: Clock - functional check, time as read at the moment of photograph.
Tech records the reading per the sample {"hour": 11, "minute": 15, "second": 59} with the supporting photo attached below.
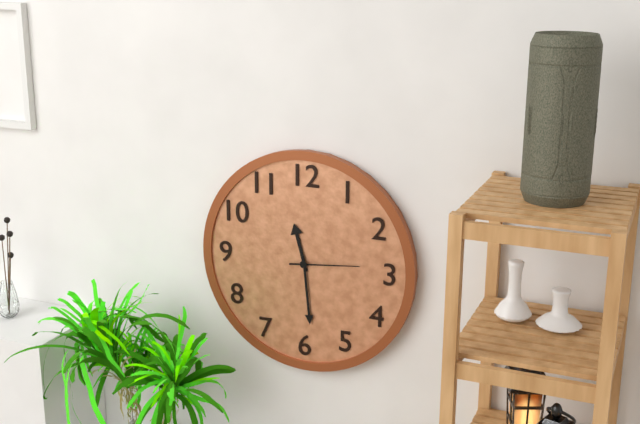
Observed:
{"hour": 11, "minute": 29, "second": 14}
